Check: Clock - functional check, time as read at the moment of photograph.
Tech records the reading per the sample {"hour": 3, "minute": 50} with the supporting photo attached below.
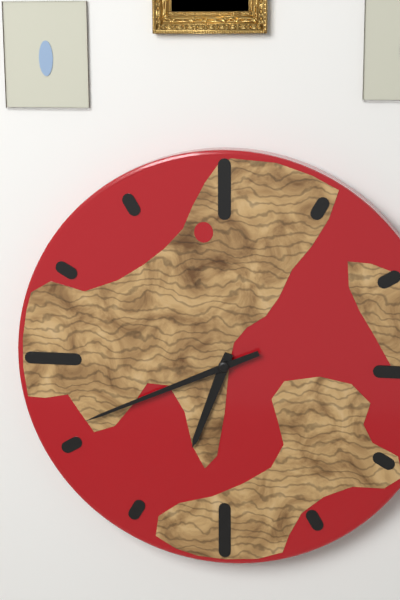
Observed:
{"hour": 6, "minute": 41}
